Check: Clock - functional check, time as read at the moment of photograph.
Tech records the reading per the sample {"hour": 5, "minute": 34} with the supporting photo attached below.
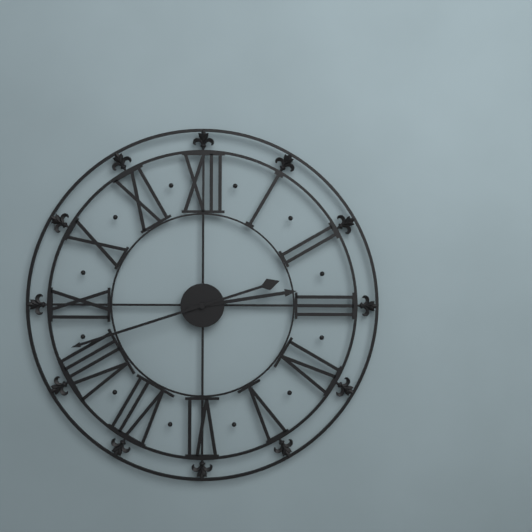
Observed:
{"hour": 2, "minute": 42}
